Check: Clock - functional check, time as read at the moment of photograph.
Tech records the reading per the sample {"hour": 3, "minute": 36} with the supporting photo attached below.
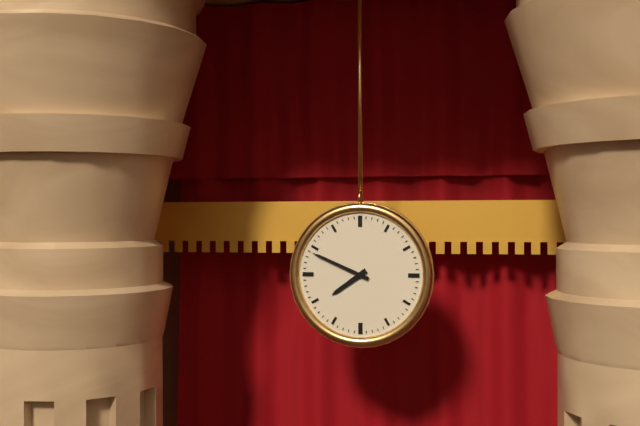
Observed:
{"hour": 7, "minute": 49}
